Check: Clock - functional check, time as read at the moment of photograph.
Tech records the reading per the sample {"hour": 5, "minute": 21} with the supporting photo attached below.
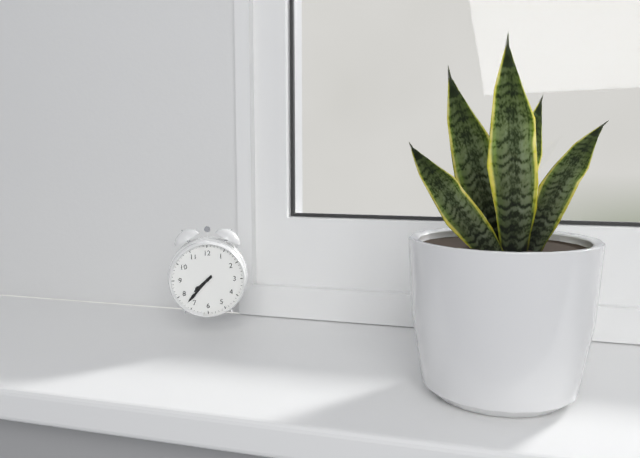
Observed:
{"hour": 7, "minute": 37}
